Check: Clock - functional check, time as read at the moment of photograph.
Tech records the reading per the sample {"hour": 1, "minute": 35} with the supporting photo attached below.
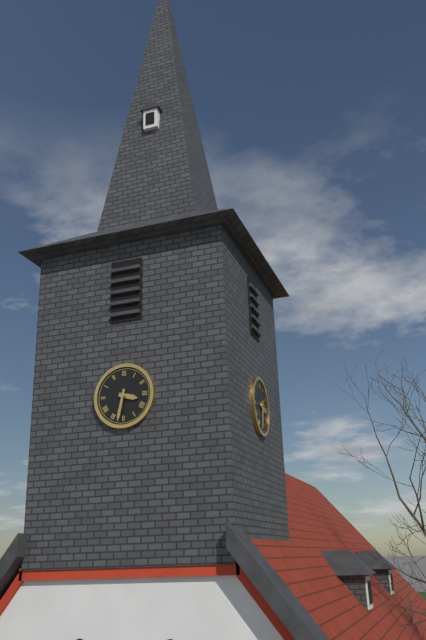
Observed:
{"hour": 3, "minute": 32}
